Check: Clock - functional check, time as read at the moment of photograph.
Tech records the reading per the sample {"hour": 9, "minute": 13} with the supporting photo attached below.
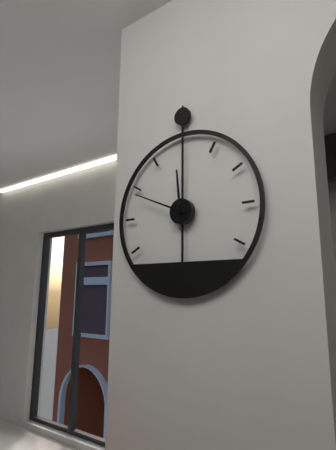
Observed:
{"hour": 11, "minute": 49}
